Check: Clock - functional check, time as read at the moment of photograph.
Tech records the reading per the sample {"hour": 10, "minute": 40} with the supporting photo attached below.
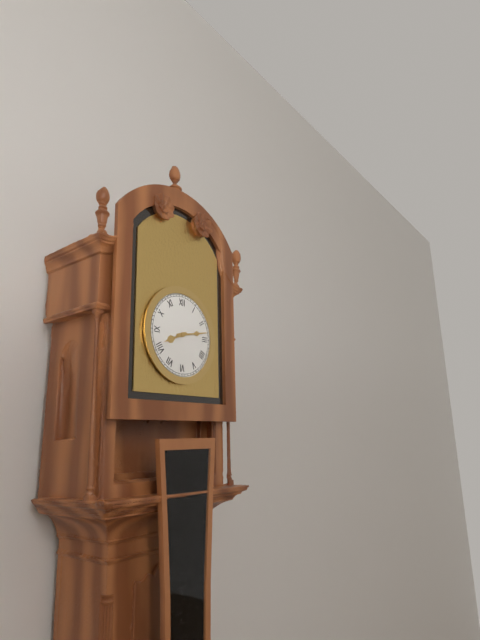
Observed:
{"hour": 8, "minute": 13}
